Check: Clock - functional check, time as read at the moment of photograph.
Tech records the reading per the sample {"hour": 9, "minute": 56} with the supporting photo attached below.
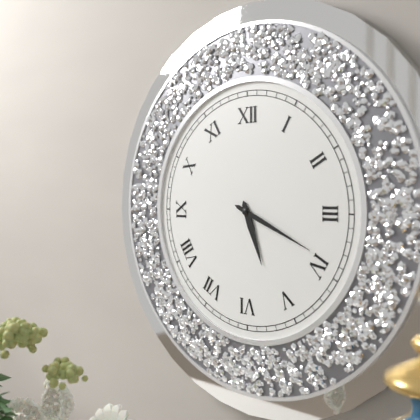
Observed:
{"hour": 5, "minute": 19}
